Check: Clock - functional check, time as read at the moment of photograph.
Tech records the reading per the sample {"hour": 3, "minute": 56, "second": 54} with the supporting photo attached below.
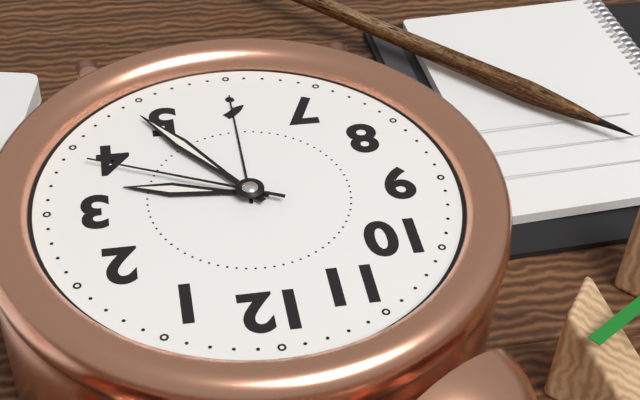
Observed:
{"hour": 3, "minute": 24, "second": 19}
